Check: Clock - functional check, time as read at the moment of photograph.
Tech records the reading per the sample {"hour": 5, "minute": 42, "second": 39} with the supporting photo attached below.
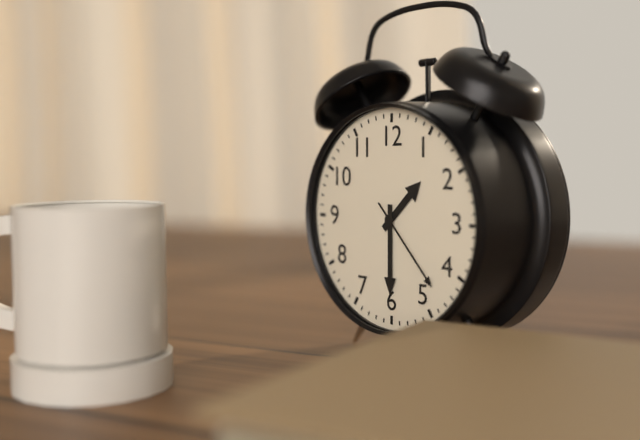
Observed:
{"hour": 1, "minute": 30, "second": 23}
